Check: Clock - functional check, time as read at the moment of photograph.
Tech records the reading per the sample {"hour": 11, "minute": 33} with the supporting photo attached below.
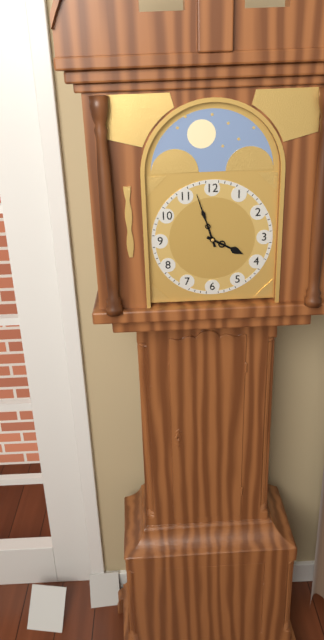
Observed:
{"hour": 3, "minute": 57}
